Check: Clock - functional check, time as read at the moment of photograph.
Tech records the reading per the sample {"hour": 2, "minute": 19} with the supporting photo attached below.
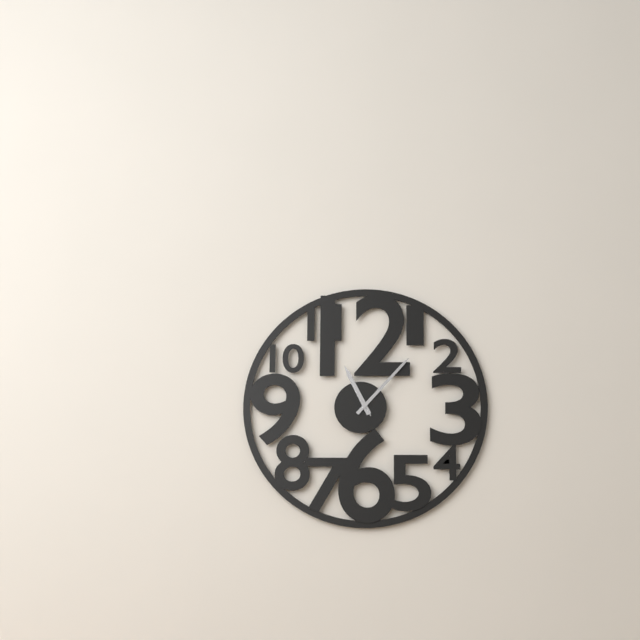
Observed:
{"hour": 11, "minute": 7}
